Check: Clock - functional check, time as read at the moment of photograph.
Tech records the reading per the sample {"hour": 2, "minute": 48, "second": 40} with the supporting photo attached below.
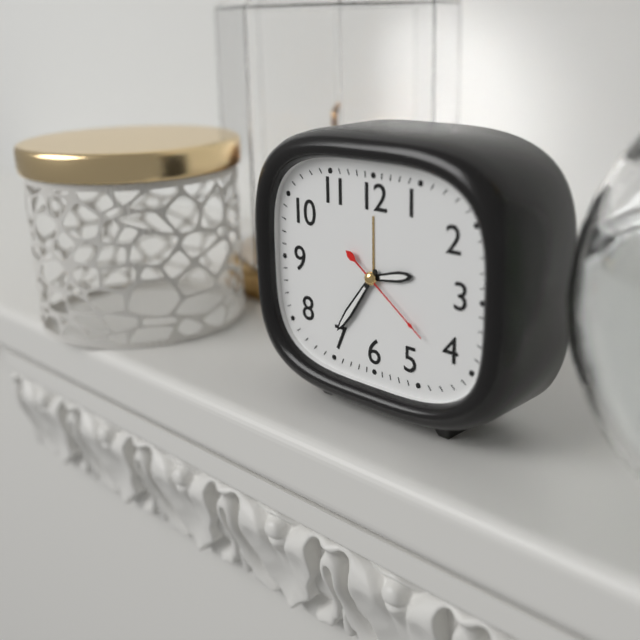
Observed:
{"hour": 2, "minute": 36, "second": 21}
